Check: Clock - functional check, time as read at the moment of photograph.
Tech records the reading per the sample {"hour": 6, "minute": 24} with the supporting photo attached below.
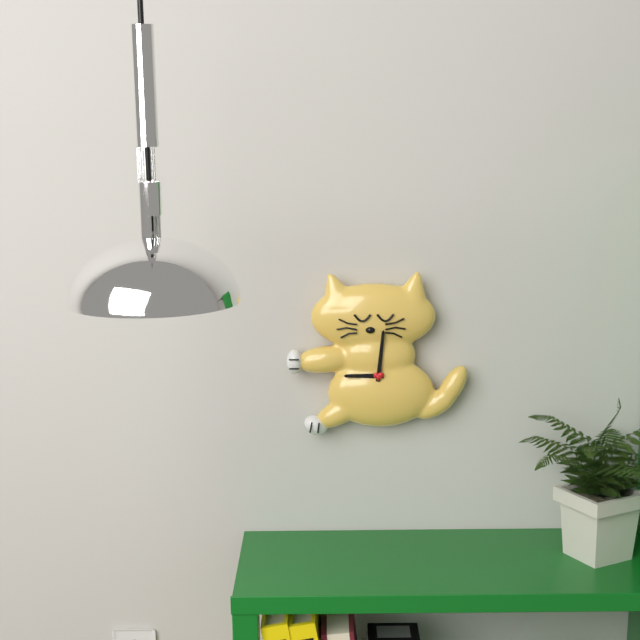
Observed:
{"hour": 9, "minute": 1}
